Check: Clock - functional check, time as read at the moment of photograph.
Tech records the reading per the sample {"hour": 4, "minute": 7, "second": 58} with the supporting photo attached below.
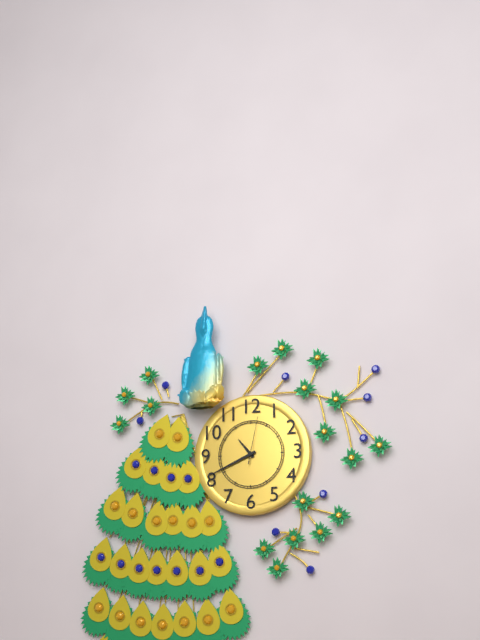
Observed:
{"hour": 10, "minute": 41, "second": 2}
